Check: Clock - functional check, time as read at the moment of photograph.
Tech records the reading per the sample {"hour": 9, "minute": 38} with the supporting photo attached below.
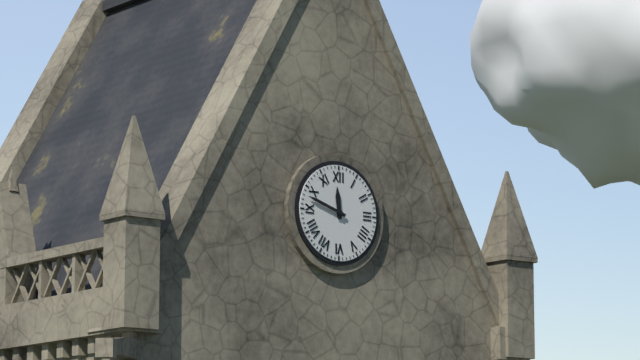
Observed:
{"hour": 11, "minute": 48}
